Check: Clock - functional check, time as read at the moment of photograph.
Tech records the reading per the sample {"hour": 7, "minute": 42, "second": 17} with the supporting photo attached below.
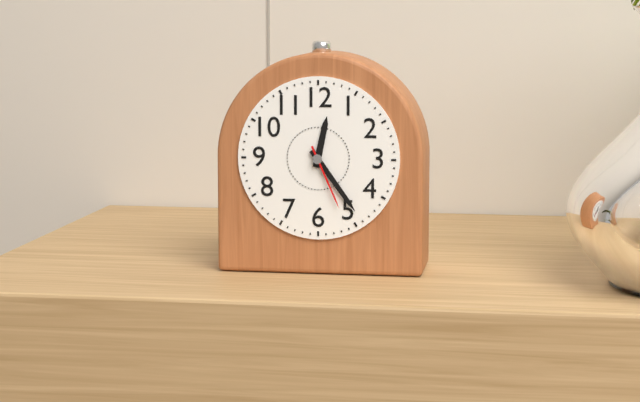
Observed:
{"hour": 12, "minute": 24, "second": 26}
